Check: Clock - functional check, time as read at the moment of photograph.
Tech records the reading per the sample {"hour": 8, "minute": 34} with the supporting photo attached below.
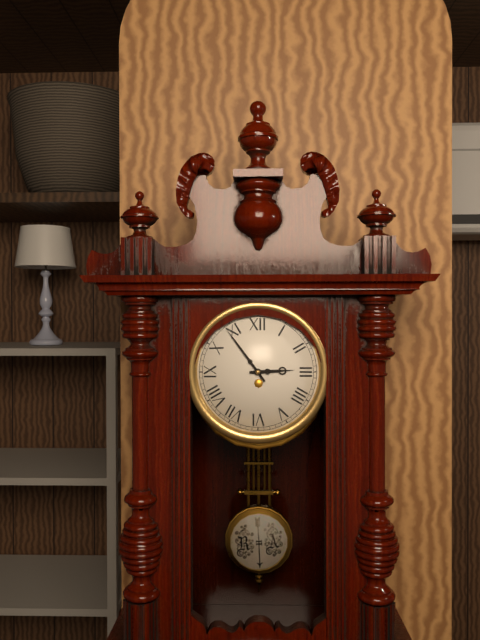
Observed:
{"hour": 2, "minute": 54}
